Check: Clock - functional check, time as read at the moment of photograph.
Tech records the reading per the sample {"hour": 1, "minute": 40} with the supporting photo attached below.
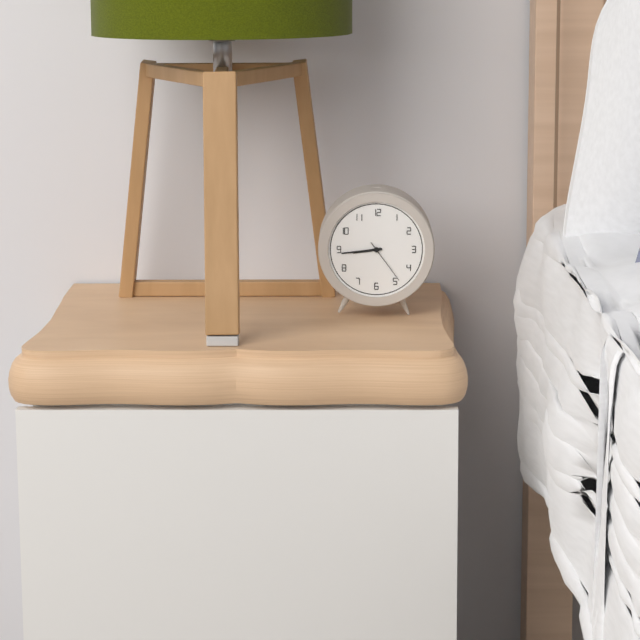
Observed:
{"hour": 8, "minute": 44}
